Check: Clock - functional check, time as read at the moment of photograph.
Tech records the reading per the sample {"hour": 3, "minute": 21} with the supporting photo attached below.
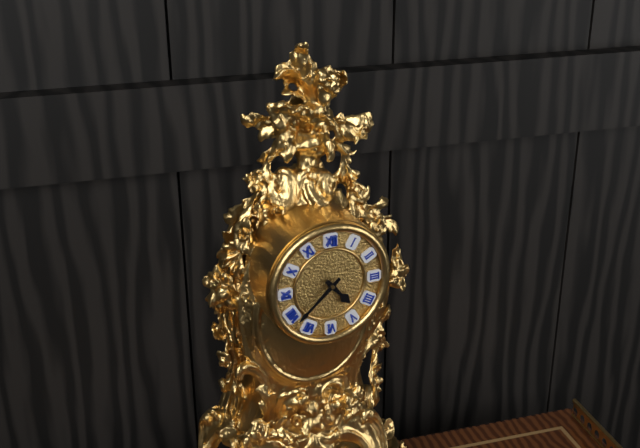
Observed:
{"hour": 4, "minute": 38}
